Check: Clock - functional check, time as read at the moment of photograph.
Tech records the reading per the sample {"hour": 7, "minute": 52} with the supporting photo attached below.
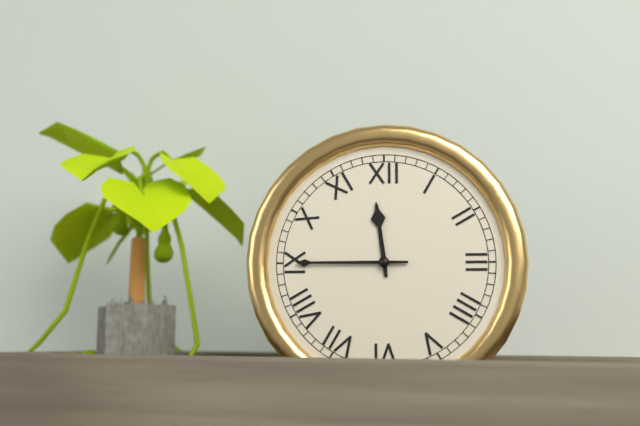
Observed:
{"hour": 11, "minute": 45}
